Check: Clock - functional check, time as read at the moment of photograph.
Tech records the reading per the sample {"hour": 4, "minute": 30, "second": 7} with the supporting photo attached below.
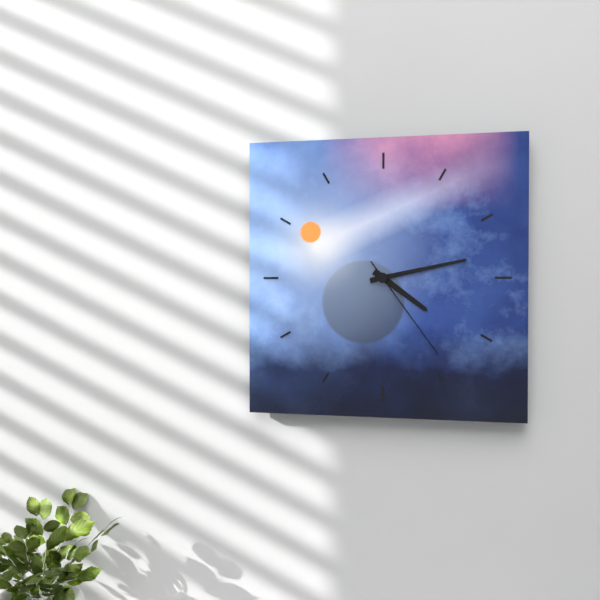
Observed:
{"hour": 4, "minute": 13, "second": 24}
